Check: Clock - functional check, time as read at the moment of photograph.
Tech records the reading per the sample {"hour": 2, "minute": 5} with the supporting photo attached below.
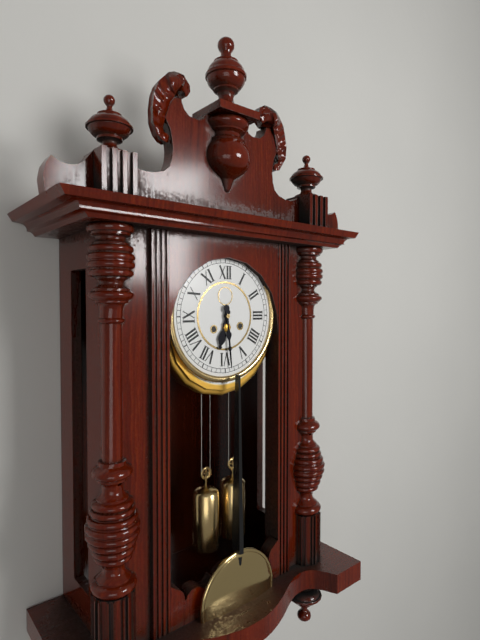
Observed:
{"hour": 6, "minute": 29}
